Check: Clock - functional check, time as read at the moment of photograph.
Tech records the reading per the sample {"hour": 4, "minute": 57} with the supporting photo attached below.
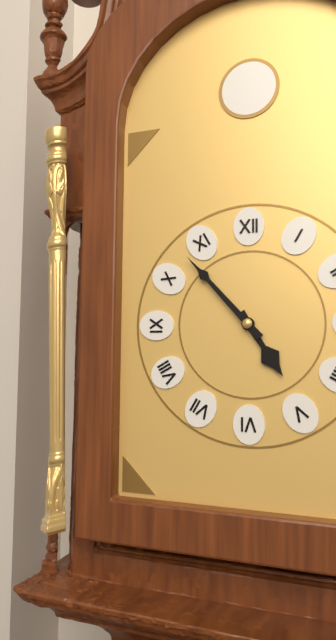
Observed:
{"hour": 4, "minute": 53}
